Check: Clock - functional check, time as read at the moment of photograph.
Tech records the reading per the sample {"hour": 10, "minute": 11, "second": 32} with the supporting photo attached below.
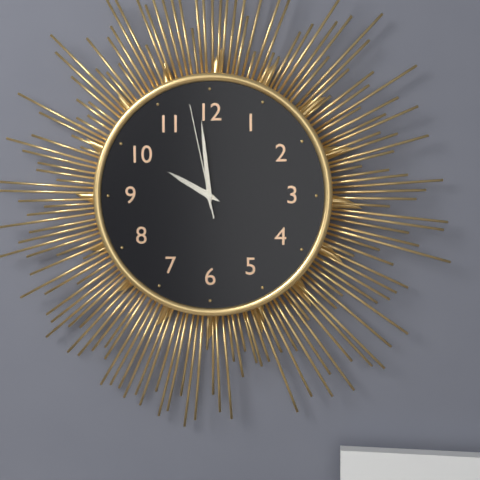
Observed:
{"hour": 9, "minute": 59, "second": 58}
